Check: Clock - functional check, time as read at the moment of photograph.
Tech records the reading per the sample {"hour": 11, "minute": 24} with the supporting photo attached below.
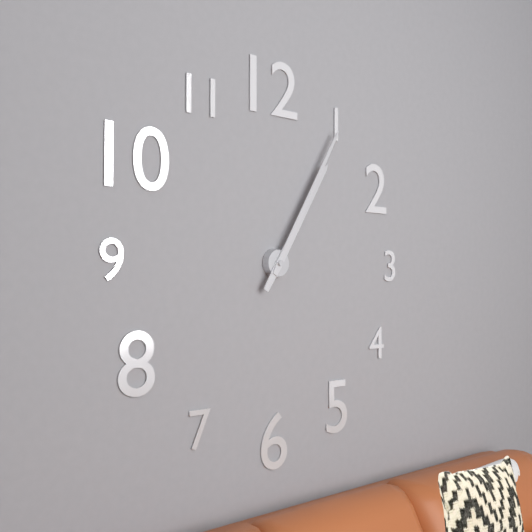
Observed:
{"hour": 1, "minute": 5}
